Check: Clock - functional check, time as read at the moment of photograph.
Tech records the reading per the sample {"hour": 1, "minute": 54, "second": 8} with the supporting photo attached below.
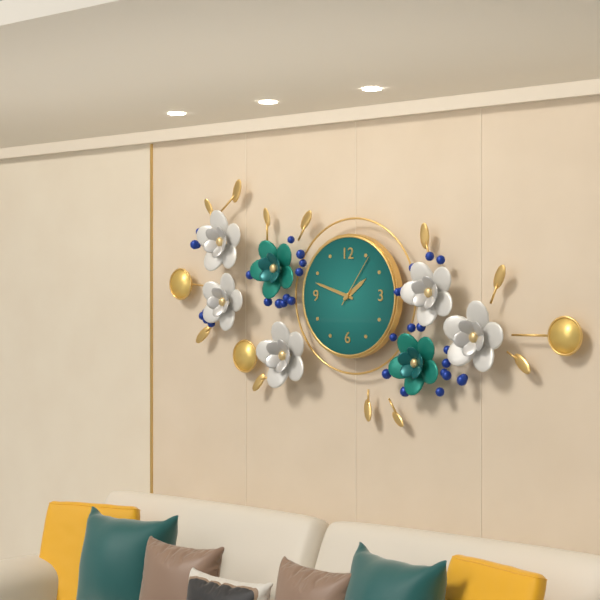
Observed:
{"hour": 1, "minute": 48, "second": 6}
